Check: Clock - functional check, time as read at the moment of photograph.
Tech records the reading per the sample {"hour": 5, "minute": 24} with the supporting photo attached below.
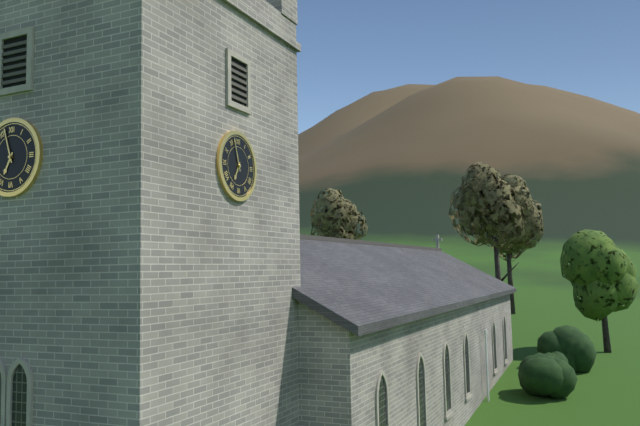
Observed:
{"hour": 6, "minute": 57}
